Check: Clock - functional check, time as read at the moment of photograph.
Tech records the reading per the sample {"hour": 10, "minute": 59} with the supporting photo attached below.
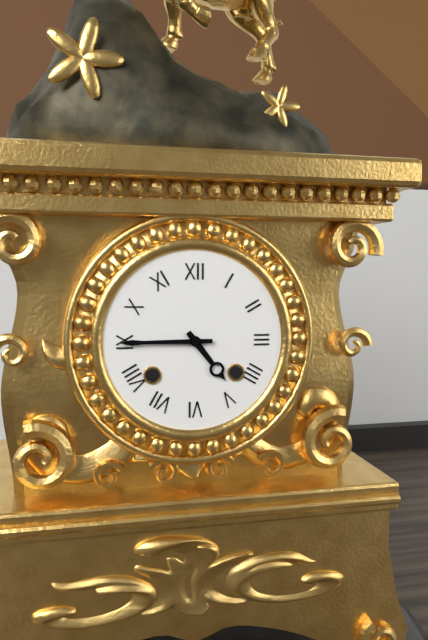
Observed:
{"hour": 4, "minute": 45}
